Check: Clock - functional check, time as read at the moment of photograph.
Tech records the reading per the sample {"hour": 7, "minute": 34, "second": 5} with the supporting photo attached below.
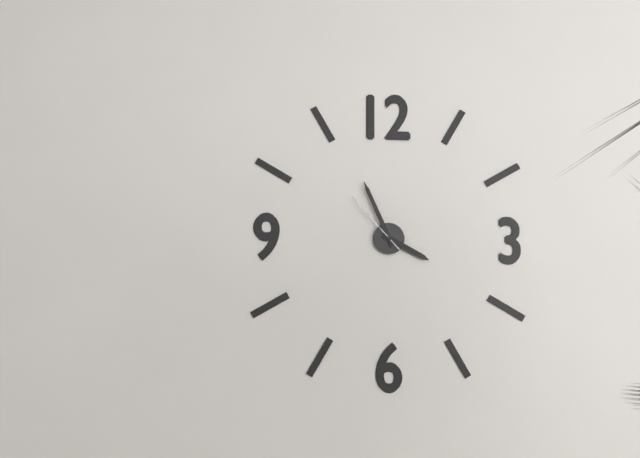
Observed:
{"hour": 3, "minute": 56, "second": 53}
